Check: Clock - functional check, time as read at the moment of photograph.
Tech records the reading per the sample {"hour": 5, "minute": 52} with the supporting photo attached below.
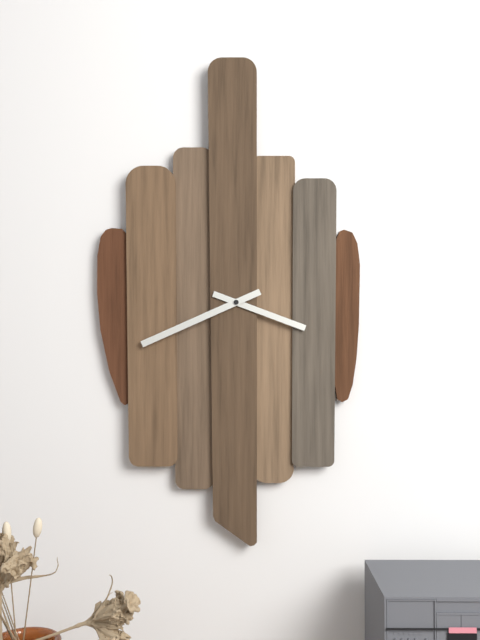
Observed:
{"hour": 3, "minute": 41}
